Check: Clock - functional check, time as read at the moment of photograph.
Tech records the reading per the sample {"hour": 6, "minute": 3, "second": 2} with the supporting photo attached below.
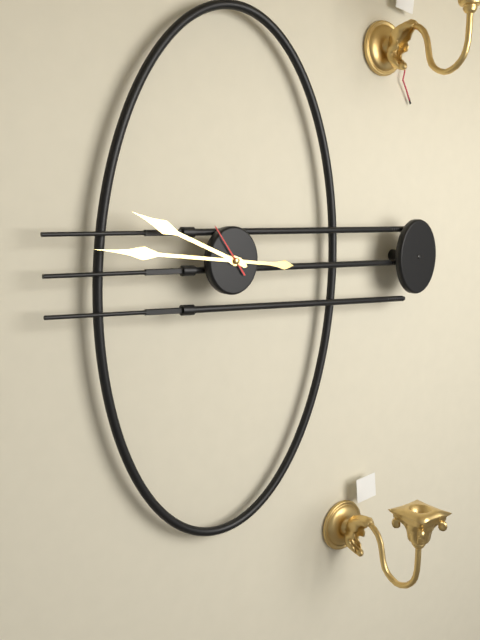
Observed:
{"hour": 9, "minute": 46, "second": 54}
